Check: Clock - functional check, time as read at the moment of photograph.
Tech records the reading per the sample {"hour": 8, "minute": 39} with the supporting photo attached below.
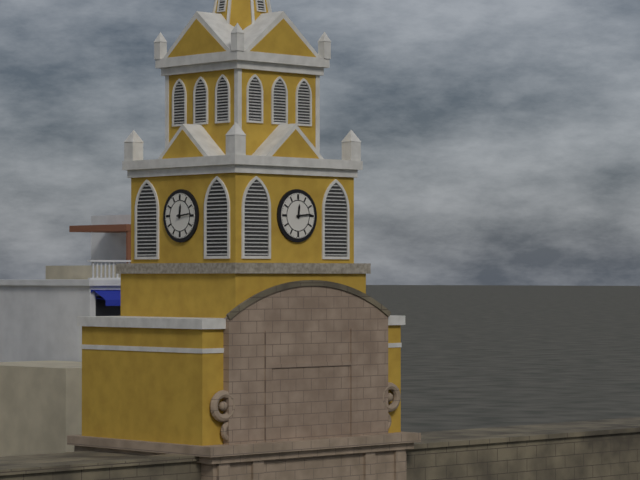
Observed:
{"hour": 12, "minute": 14}
